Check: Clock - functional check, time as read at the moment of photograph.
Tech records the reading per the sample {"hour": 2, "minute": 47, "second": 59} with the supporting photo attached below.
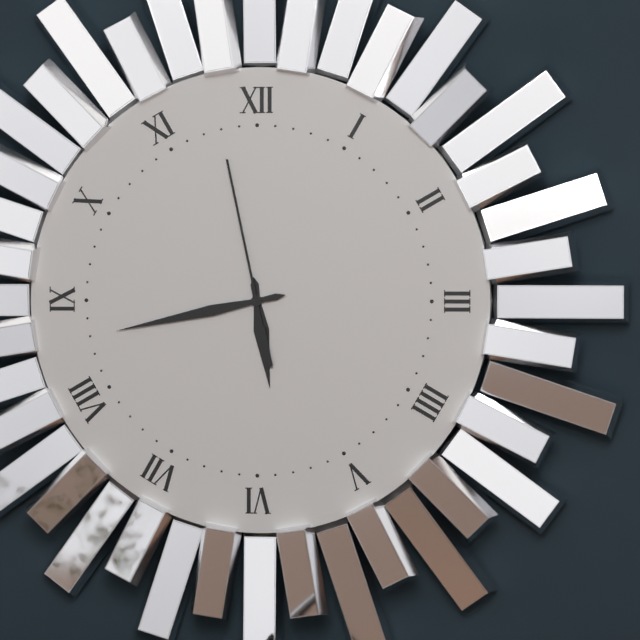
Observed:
{"hour": 5, "minute": 43, "second": 58}
